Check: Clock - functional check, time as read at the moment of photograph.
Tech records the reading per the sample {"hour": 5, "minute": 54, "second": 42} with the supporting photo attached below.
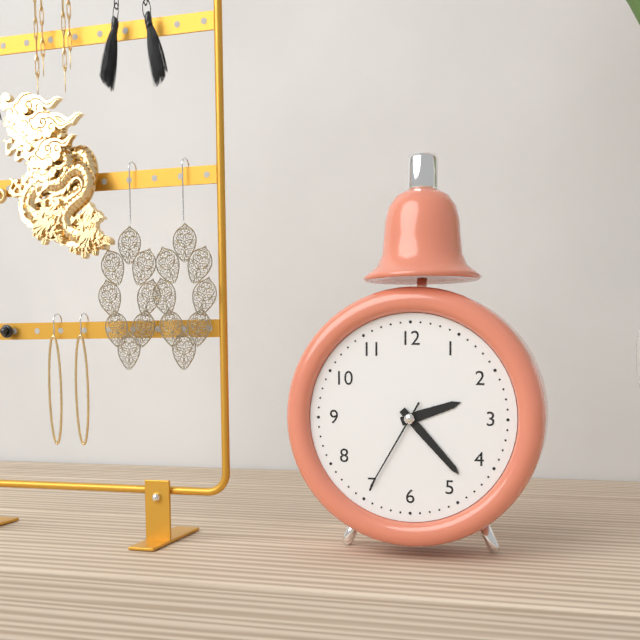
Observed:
{"hour": 2, "minute": 23, "second": 35}
